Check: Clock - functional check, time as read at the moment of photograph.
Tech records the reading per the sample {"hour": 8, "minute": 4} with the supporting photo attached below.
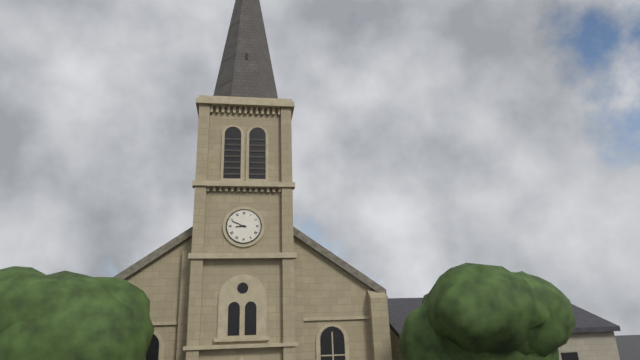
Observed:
{"hour": 8, "minute": 49}
